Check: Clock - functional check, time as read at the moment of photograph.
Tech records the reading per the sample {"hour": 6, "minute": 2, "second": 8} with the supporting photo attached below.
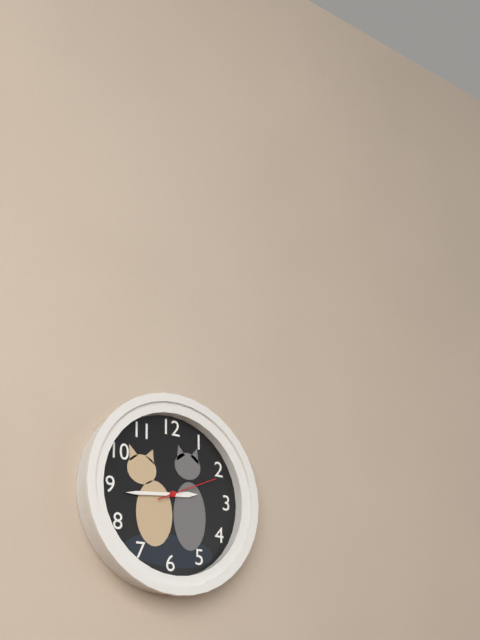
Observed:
{"hour": 2, "minute": 44, "second": 11}
